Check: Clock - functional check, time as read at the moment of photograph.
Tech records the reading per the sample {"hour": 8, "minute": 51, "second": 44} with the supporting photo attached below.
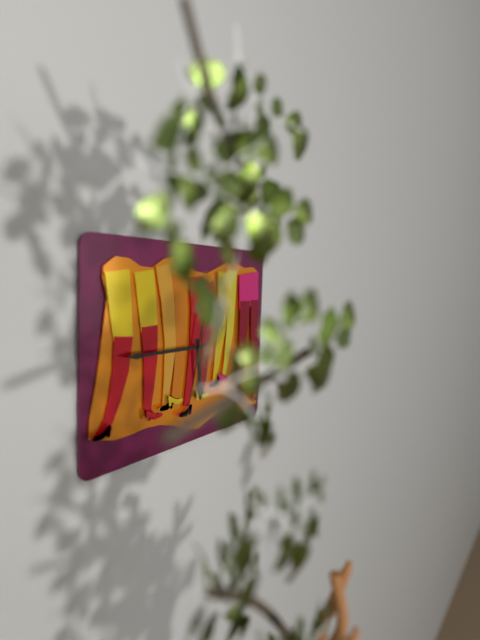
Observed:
{"hour": 5, "minute": 45, "second": 32}
